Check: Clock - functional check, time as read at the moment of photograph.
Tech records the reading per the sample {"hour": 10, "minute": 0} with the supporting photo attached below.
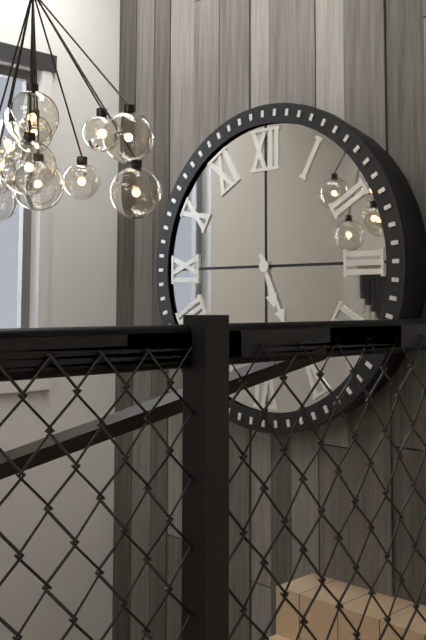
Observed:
{"hour": 5, "minute": 26}
